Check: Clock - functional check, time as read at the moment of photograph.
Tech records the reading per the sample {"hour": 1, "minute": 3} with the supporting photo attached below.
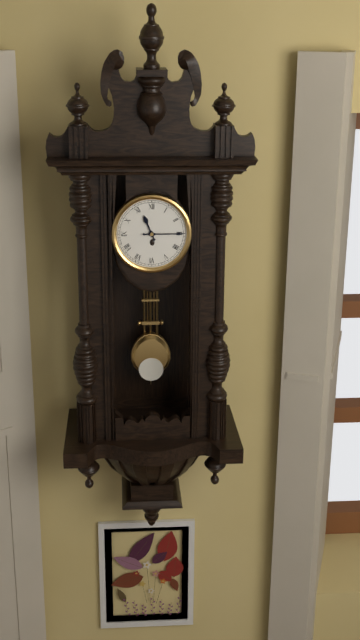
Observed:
{"hour": 11, "minute": 15}
